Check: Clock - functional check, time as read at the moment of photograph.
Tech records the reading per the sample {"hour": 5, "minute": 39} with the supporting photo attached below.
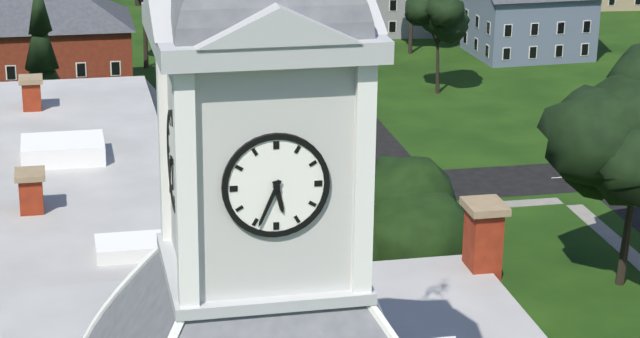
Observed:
{"hour": 5, "minute": 34}
